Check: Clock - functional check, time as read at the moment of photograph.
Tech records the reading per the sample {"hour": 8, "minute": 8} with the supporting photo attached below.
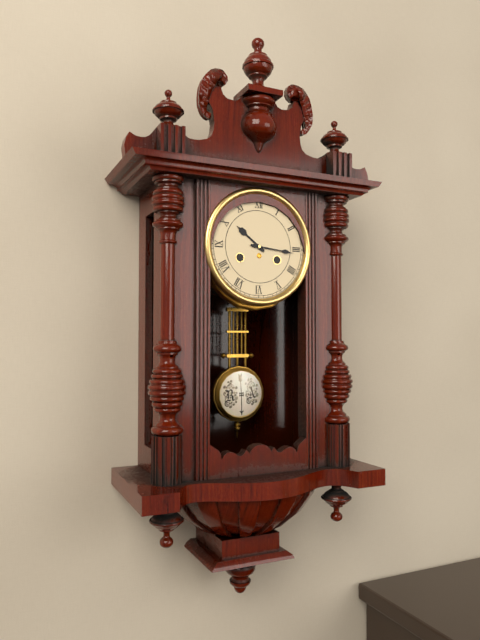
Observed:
{"hour": 10, "minute": 16}
